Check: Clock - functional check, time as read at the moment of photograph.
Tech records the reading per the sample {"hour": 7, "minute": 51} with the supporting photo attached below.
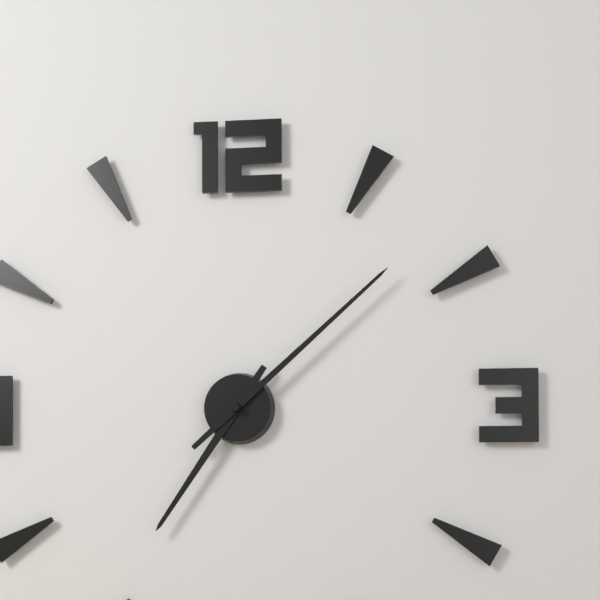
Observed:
{"hour": 7, "minute": 8}
